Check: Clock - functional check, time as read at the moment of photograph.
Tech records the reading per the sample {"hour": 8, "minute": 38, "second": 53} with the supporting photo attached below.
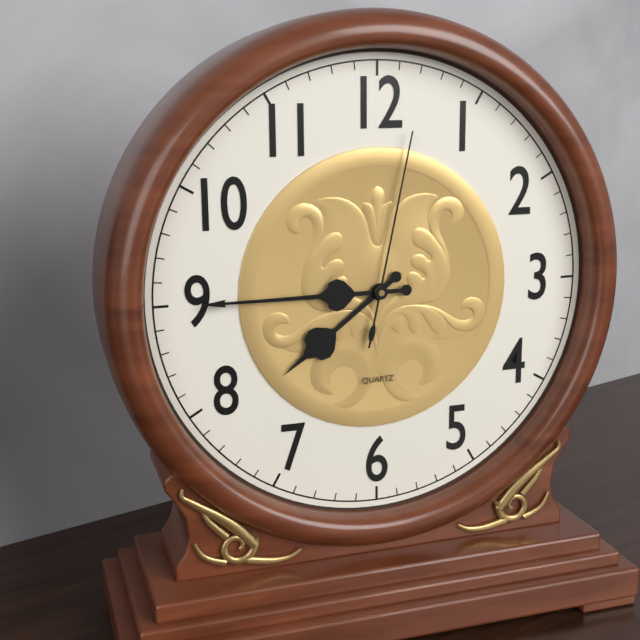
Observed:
{"hour": 7, "minute": 45, "second": 2}
